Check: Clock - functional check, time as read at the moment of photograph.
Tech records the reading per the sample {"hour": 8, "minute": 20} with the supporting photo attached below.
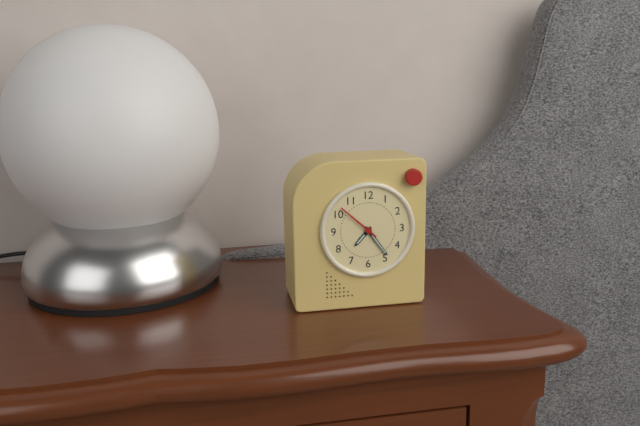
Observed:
{"hour": 7, "minute": 24}
